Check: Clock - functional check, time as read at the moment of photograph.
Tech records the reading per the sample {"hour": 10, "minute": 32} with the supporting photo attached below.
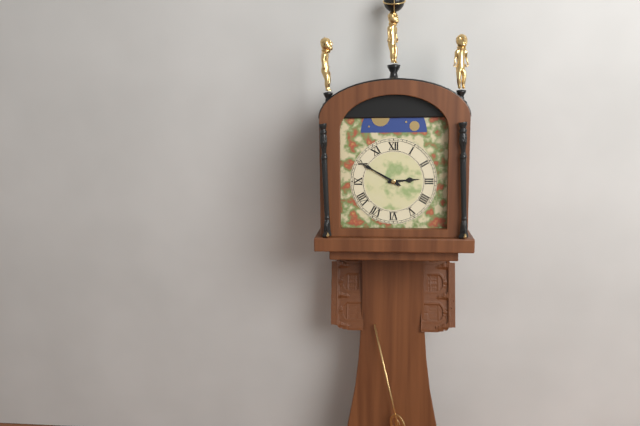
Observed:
{"hour": 2, "minute": 50}
